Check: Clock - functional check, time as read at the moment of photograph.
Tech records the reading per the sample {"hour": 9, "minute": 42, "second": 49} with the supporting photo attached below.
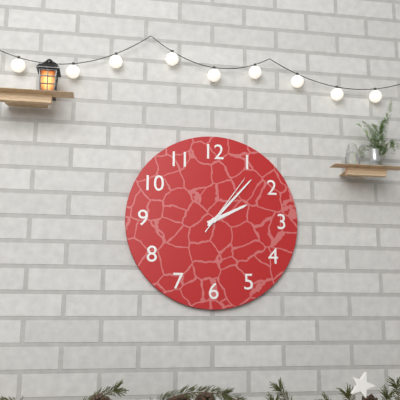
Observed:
{"hour": 2, "minute": 7, "second": 6}
